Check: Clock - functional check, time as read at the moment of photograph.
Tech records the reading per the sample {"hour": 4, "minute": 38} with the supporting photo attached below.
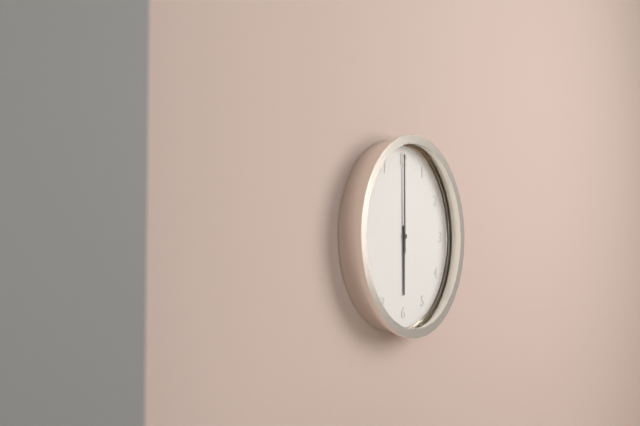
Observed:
{"hour": 6, "minute": 0}
